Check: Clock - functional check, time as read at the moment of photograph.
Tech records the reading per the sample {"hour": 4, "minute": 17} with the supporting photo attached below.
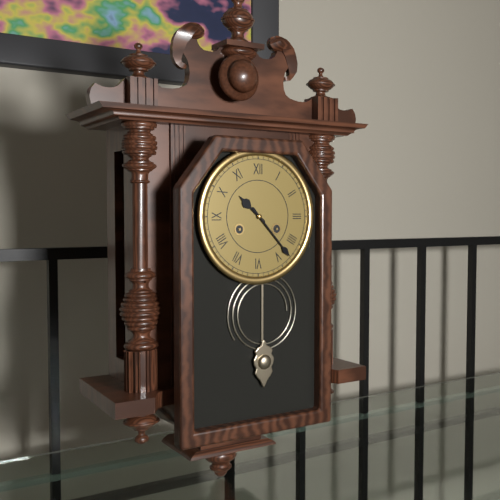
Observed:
{"hour": 10, "minute": 23}
